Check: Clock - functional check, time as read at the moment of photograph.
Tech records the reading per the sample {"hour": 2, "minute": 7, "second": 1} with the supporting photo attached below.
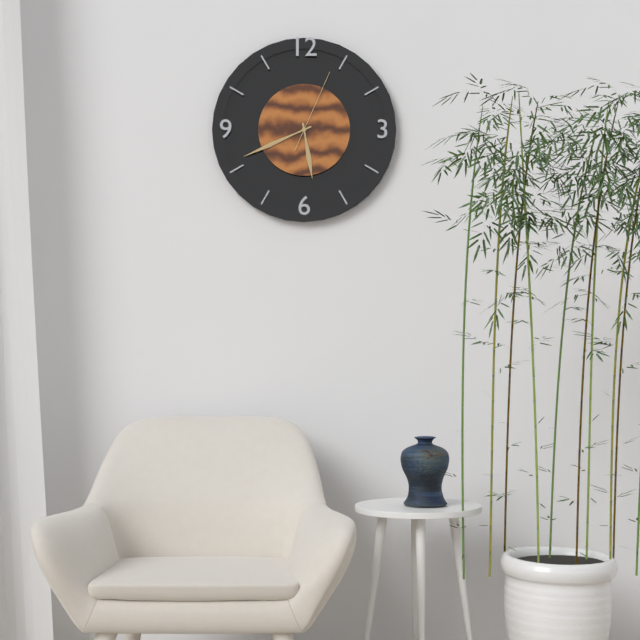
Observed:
{"hour": 5, "minute": 41, "second": 4}
